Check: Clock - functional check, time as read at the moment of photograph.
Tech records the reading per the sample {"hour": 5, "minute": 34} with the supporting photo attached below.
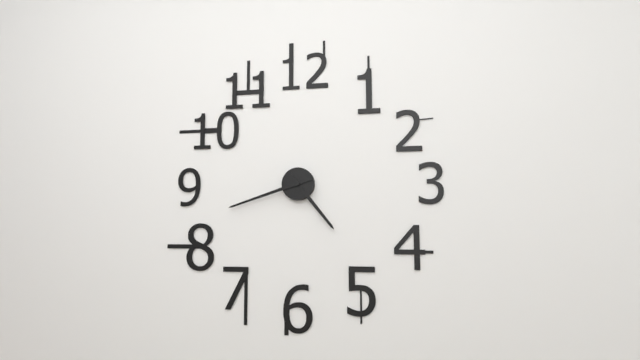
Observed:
{"hour": 4, "minute": 42}
